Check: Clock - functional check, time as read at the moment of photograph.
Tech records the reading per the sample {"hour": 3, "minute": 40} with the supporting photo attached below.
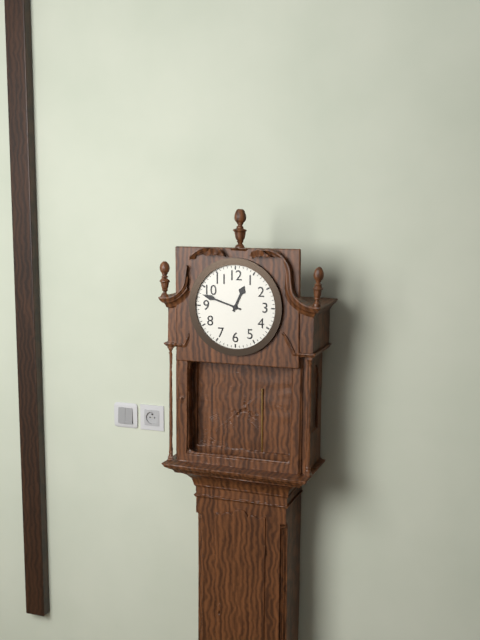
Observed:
{"hour": 12, "minute": 48}
